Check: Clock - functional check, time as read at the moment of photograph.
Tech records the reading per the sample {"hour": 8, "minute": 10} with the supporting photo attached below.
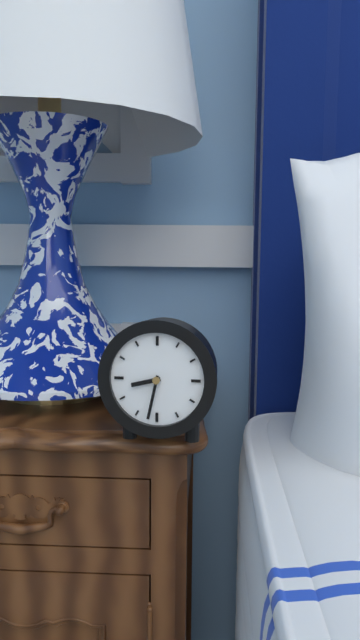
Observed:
{"hour": 8, "minute": 32}
